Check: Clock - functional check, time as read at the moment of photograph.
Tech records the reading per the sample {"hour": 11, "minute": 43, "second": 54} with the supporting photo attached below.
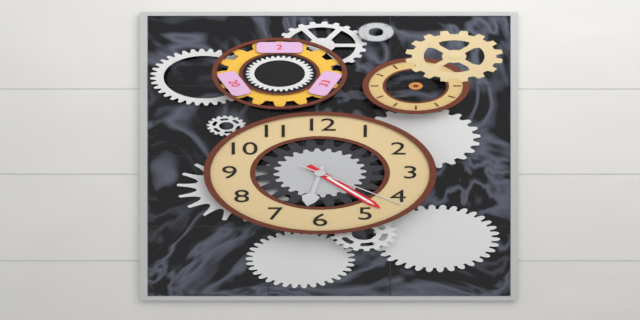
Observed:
{"hour": 6, "minute": 23, "second": 21}
